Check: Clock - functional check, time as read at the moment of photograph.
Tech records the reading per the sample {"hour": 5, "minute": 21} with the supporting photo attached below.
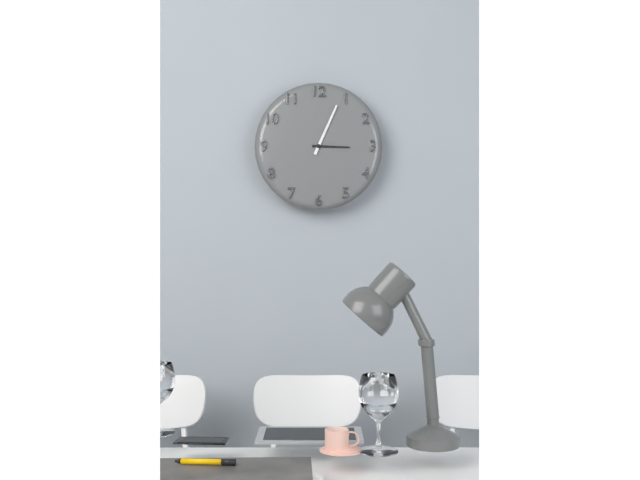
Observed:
{"hour": 3, "minute": 4}
